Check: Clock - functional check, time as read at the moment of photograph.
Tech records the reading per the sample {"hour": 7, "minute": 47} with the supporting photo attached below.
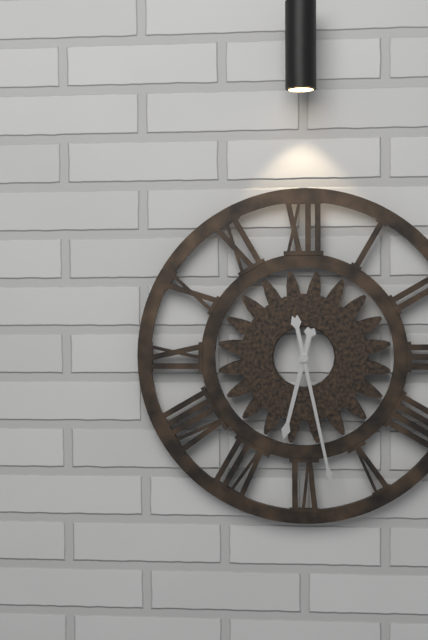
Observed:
{"hour": 6, "minute": 28}
